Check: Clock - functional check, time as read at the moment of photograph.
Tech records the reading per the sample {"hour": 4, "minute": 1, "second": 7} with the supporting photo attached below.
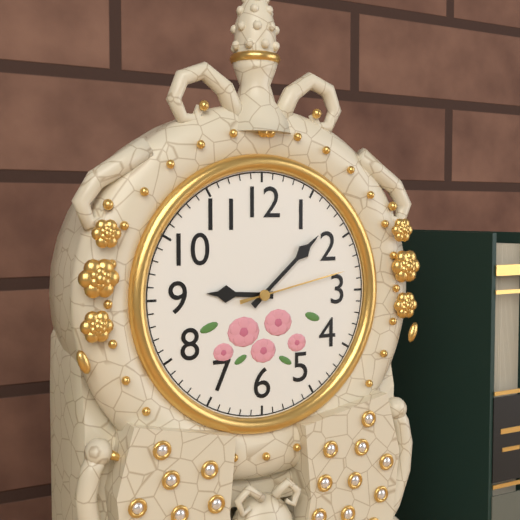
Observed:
{"hour": 9, "minute": 8, "second": 13}
